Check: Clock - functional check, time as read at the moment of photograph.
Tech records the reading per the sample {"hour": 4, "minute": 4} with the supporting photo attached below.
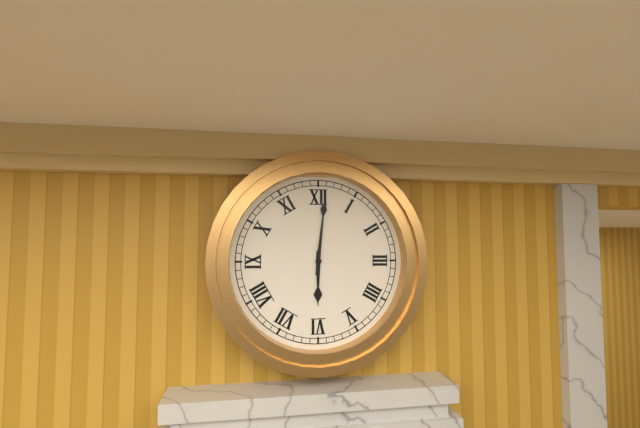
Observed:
{"hour": 6, "minute": 1}
